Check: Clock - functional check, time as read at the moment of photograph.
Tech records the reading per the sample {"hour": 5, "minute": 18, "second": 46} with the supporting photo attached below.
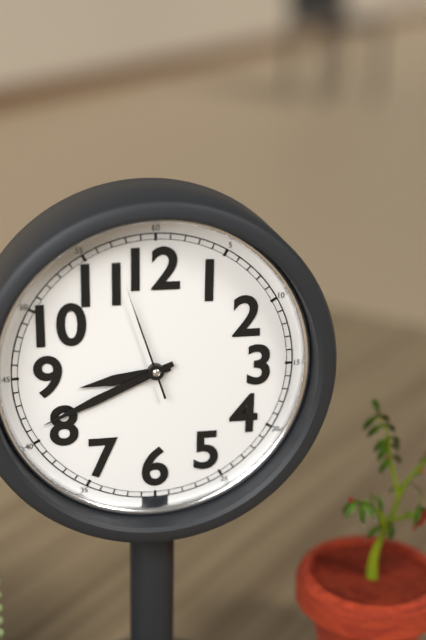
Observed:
{"hour": 8, "minute": 41, "second": 57}
